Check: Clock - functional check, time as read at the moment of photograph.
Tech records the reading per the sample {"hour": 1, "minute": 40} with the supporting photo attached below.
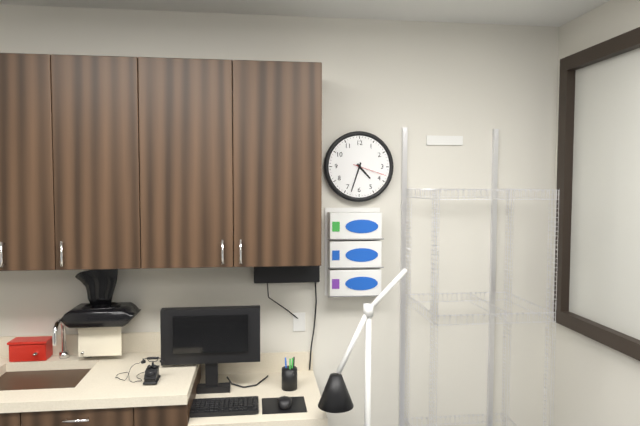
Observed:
{"hour": 4, "minute": 33}
